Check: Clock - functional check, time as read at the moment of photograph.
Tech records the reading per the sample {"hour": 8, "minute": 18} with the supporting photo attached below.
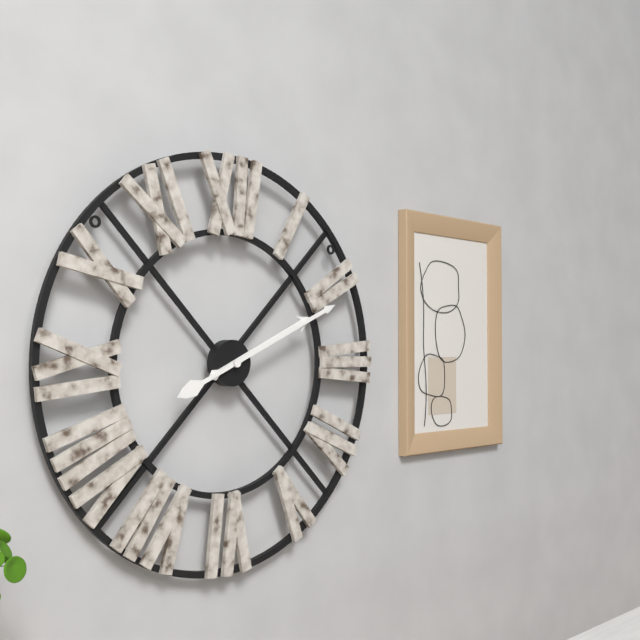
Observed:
{"hour": 2, "minute": 11}
